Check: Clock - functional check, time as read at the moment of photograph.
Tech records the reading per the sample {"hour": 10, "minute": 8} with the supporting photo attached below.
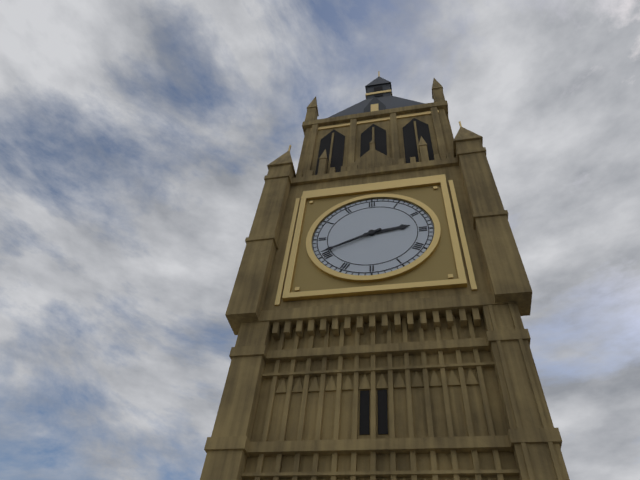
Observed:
{"hour": 2, "minute": 41}
